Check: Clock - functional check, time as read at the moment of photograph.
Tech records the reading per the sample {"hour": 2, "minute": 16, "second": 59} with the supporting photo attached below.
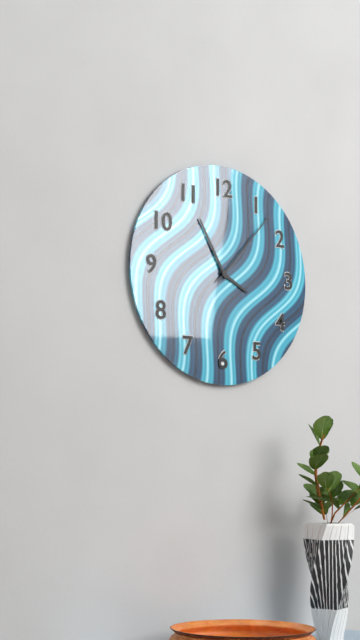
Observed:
{"hour": 3, "minute": 55, "second": 7}
